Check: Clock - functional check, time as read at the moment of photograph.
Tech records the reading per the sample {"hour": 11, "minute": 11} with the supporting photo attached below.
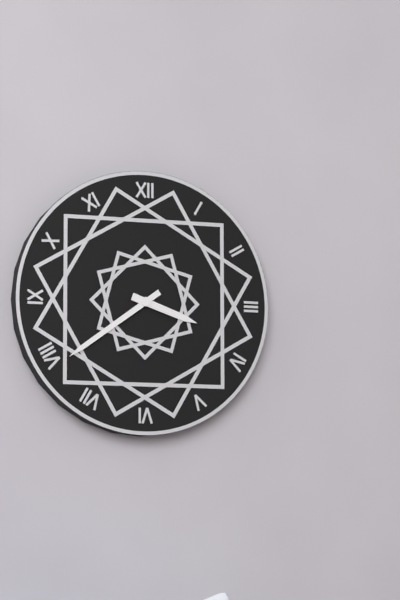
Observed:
{"hour": 3, "minute": 39}
